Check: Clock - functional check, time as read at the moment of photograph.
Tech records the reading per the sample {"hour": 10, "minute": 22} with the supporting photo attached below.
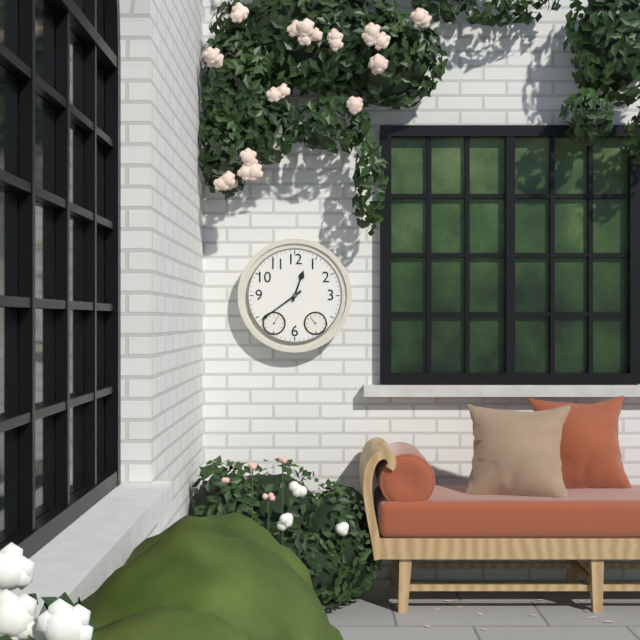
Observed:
{"hour": 12, "minute": 39}
